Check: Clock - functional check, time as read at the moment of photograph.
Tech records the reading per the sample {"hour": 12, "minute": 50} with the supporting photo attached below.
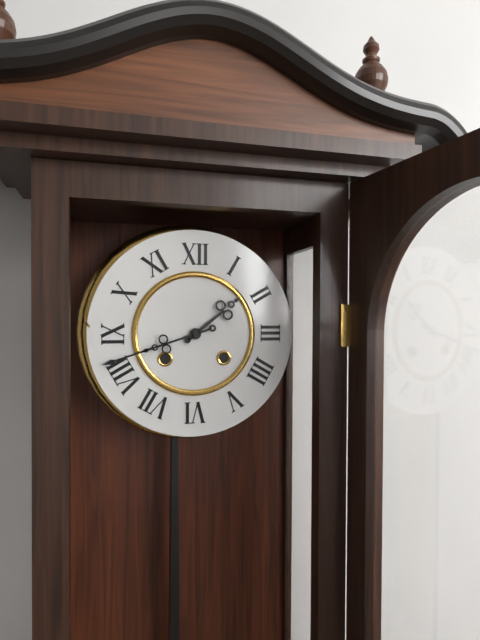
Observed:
{"hour": 1, "minute": 42}
